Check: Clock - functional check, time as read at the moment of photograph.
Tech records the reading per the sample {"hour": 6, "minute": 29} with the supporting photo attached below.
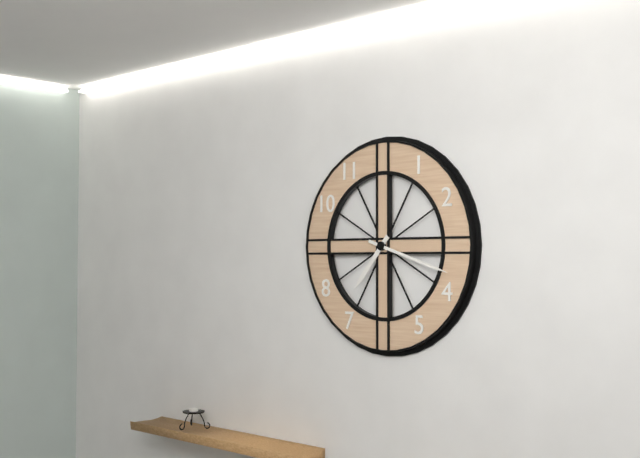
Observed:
{"hour": 7, "minute": 18}
